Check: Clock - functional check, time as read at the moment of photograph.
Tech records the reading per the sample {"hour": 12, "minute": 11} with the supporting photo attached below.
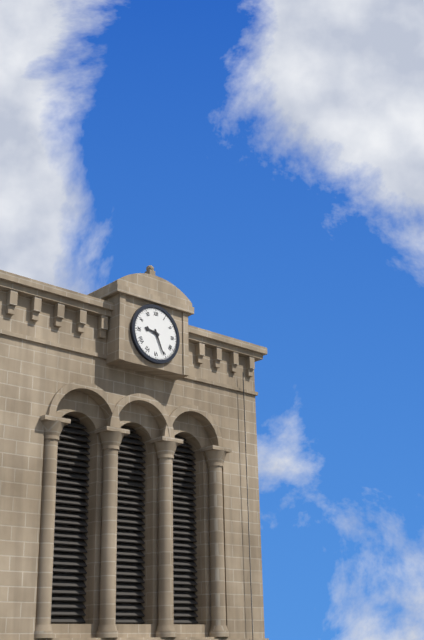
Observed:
{"hour": 9, "minute": 26}
